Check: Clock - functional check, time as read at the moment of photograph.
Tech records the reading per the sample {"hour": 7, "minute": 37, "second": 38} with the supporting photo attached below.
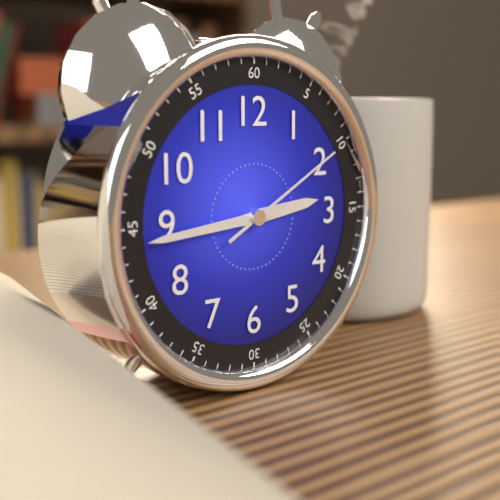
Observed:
{"hour": 2, "minute": 44, "second": 10}
